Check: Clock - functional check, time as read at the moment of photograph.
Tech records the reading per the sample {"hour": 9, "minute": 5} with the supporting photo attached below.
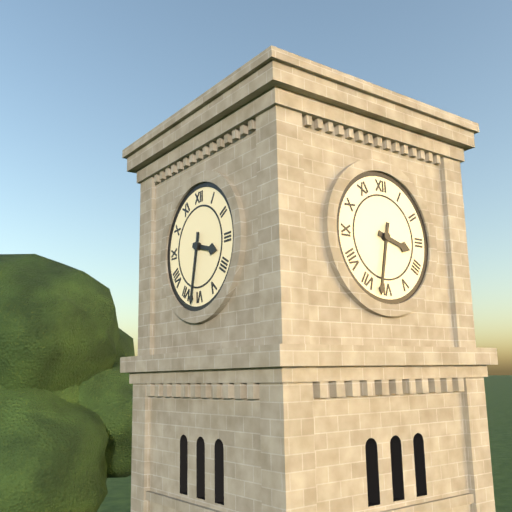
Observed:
{"hour": 3, "minute": 32}
